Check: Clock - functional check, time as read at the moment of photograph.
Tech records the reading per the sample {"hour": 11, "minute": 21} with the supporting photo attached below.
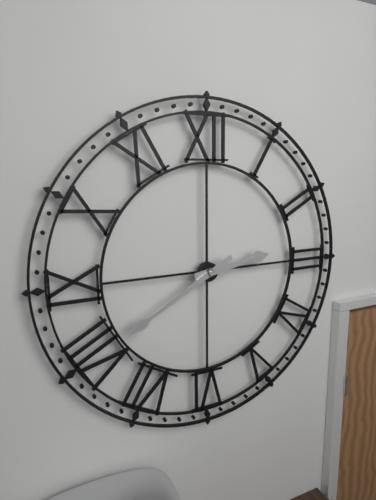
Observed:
{"hour": 2, "minute": 40}
